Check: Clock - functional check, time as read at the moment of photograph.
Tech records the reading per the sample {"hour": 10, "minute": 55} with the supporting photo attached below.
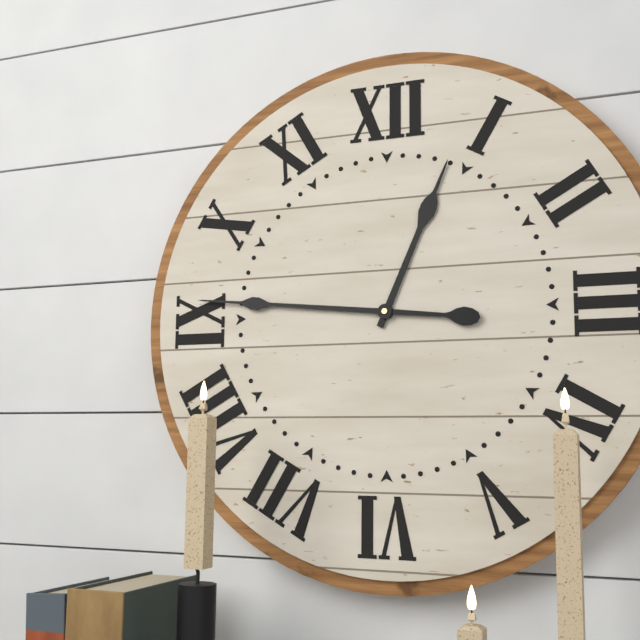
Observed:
{"hour": 12, "minute": 46}
